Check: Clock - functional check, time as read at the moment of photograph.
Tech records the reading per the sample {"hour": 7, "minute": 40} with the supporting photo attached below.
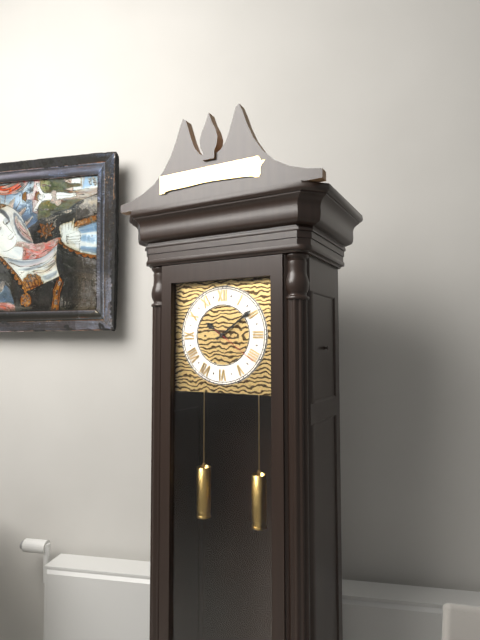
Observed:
{"hour": 10, "minute": 9}
